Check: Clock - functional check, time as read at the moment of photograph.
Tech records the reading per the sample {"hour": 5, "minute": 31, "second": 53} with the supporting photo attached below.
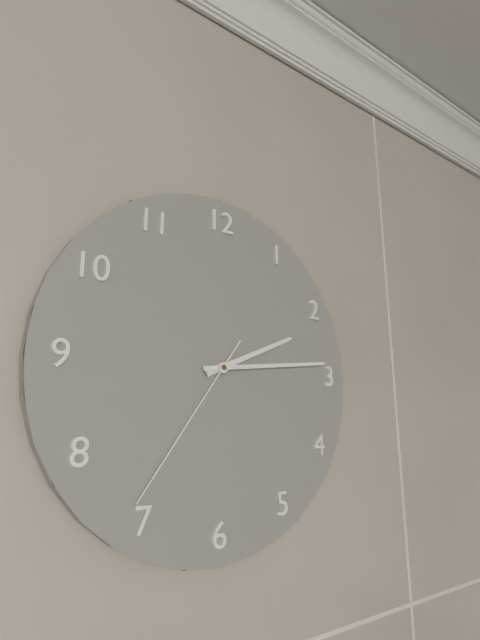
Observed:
{"hour": 2, "minute": 14, "second": 36}
